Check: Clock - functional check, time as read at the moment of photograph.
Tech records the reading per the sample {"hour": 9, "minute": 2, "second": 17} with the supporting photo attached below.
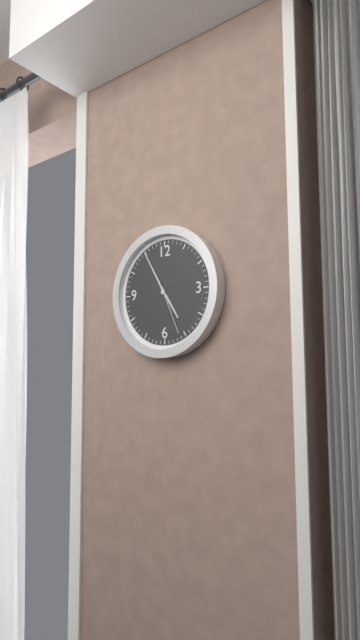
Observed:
{"hour": 4, "minute": 55, "second": 26}
